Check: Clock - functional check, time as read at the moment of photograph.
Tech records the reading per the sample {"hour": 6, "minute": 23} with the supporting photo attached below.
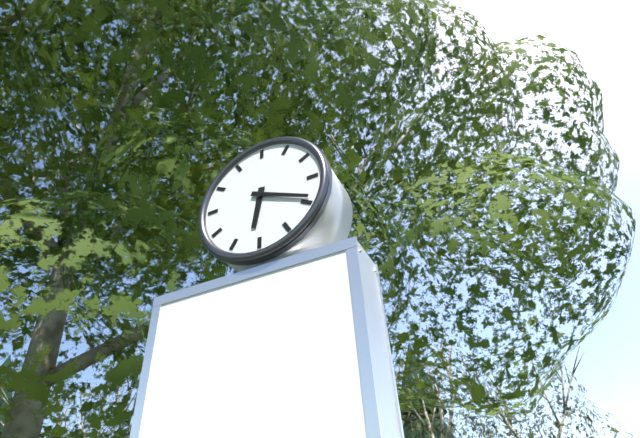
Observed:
{"hour": 6, "minute": 19}
